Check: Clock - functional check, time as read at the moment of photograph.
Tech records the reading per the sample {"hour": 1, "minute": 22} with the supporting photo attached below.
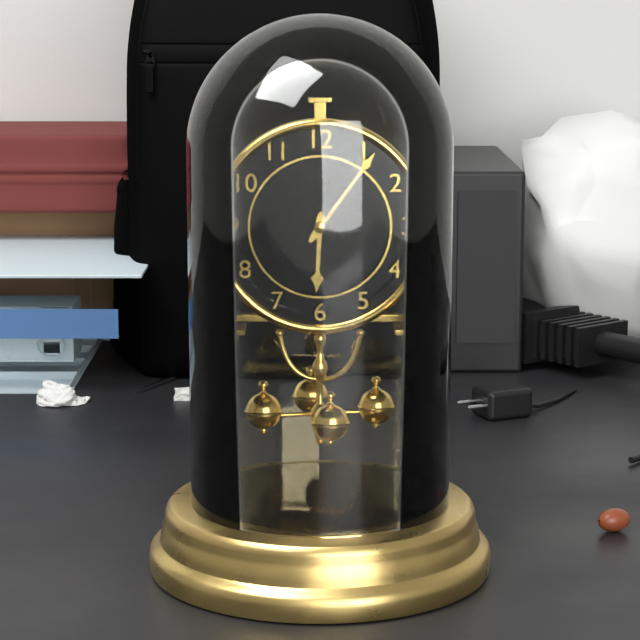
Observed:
{"hour": 6, "minute": 6}
